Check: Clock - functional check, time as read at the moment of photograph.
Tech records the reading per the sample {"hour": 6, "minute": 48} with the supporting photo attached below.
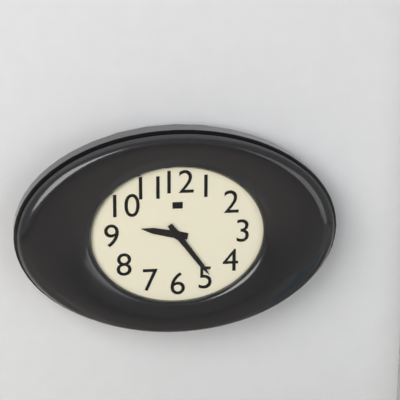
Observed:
{"hour": 9, "minute": 24}
